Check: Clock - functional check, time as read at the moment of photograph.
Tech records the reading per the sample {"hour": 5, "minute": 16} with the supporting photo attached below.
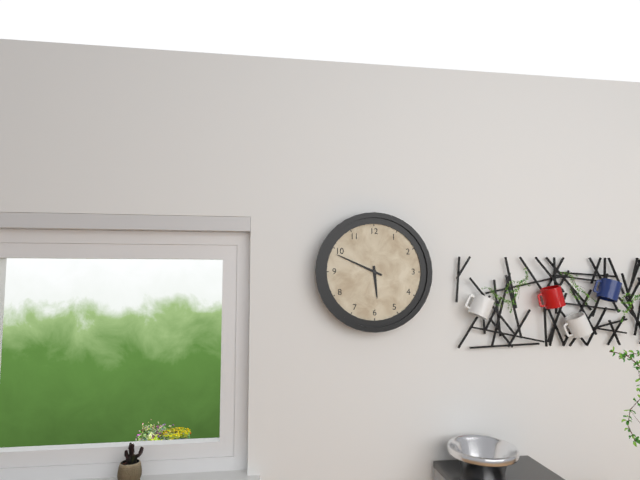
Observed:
{"hour": 5, "minute": 49}
